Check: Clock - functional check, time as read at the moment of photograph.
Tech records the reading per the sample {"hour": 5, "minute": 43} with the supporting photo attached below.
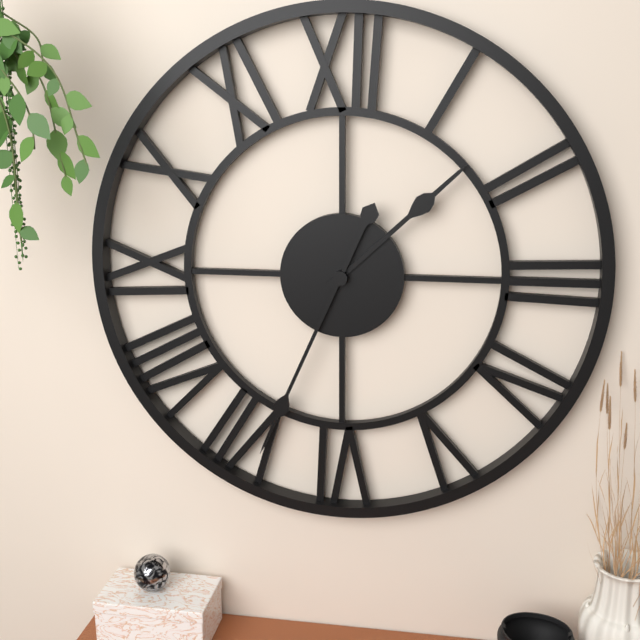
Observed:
{"hour": 1, "minute": 34}
